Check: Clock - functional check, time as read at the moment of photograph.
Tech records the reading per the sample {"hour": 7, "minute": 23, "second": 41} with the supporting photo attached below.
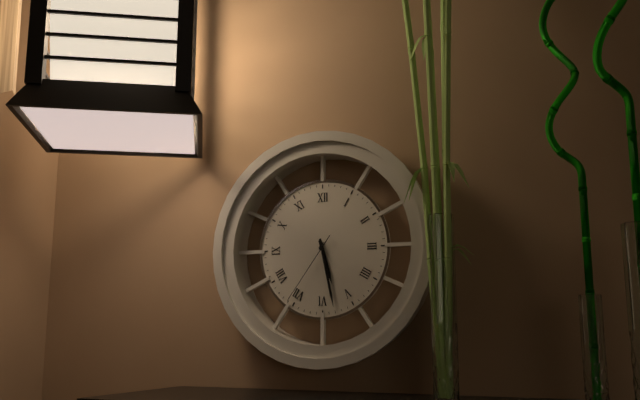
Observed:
{"hour": 5, "minute": 28, "second": 36}
